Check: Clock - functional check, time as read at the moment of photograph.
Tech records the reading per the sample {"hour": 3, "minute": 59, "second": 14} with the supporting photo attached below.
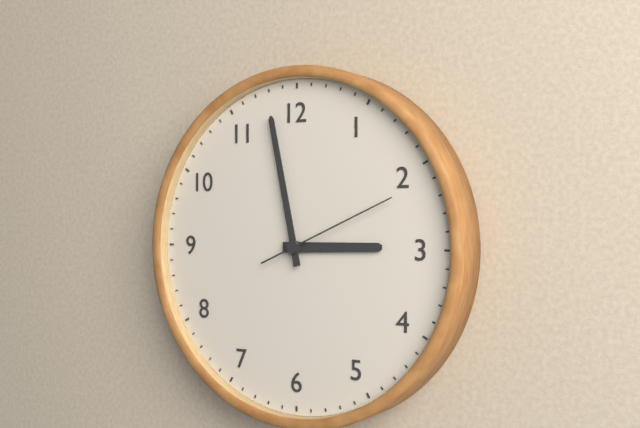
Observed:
{"hour": 2, "minute": 58, "second": 11}
